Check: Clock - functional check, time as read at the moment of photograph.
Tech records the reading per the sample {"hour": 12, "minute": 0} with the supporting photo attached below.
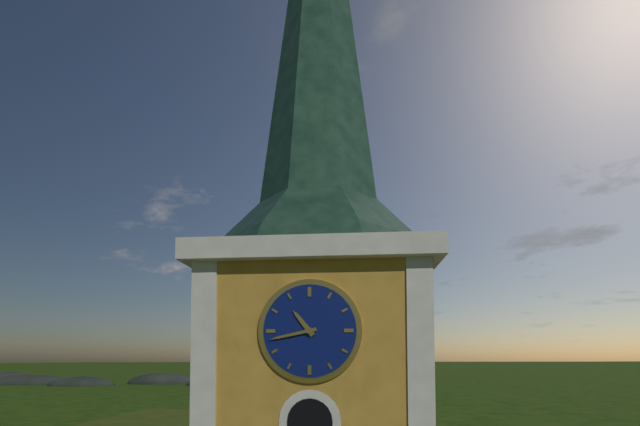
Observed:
{"hour": 10, "minute": 43}
